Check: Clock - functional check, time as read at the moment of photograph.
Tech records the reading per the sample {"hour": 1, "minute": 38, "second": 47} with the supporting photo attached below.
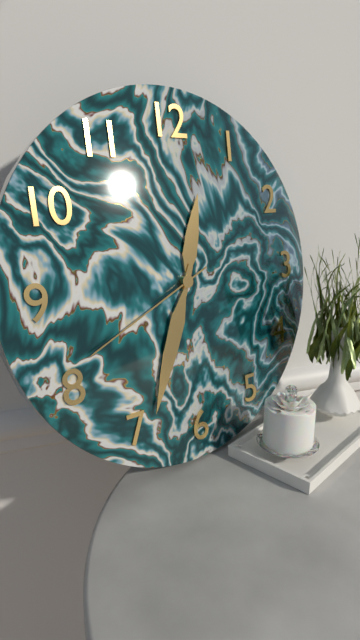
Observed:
{"hour": 12, "minute": 34, "second": 41}
